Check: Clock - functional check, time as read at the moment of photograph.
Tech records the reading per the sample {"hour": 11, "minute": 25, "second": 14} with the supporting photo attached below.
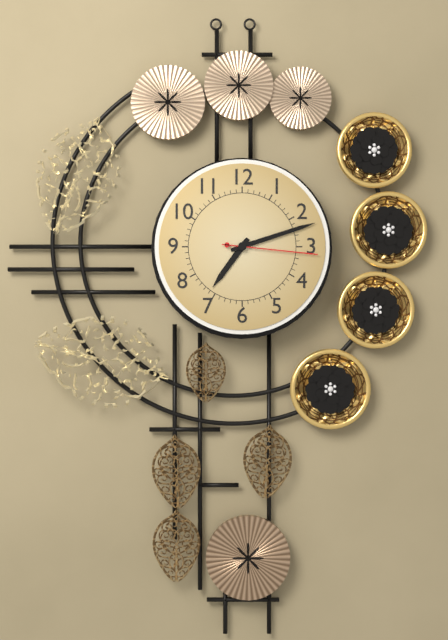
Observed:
{"hour": 7, "minute": 12, "second": 16}
